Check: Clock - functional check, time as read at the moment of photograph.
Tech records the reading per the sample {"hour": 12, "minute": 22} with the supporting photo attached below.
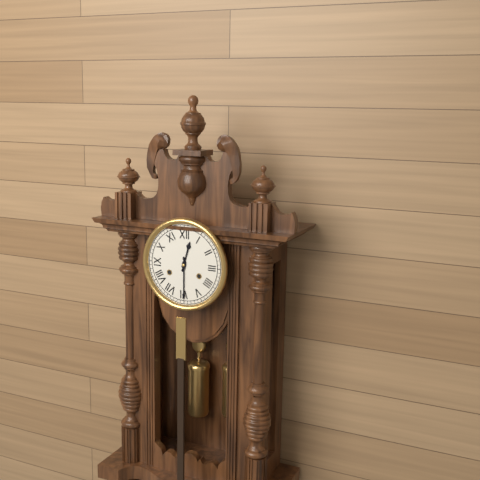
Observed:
{"hour": 12, "minute": 30}
